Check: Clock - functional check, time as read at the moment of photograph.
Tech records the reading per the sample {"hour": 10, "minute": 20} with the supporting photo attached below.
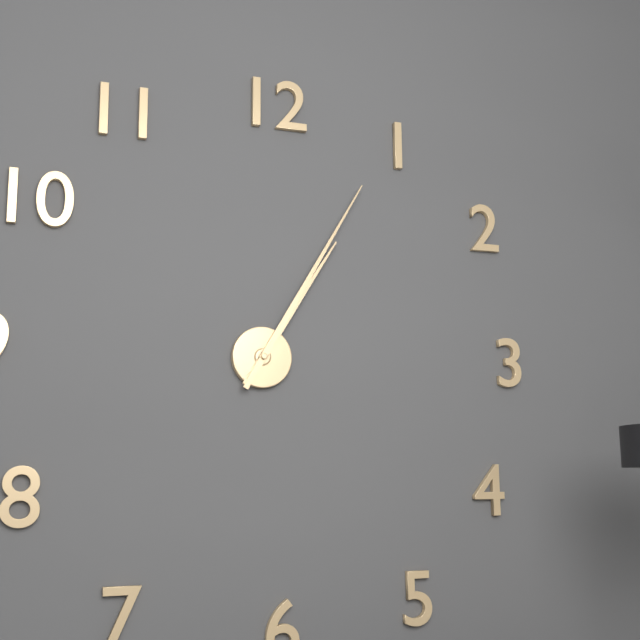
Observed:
{"hour": 1, "minute": 5}
